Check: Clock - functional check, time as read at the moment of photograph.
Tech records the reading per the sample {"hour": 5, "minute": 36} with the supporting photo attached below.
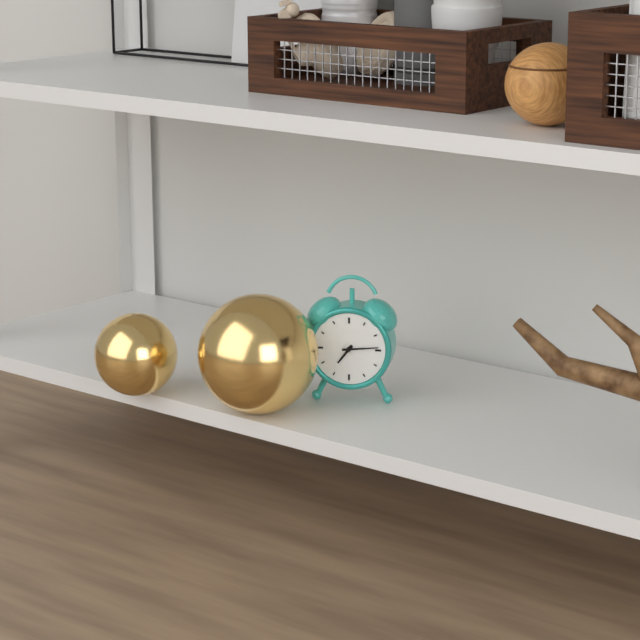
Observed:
{"hour": 7, "minute": 14}
